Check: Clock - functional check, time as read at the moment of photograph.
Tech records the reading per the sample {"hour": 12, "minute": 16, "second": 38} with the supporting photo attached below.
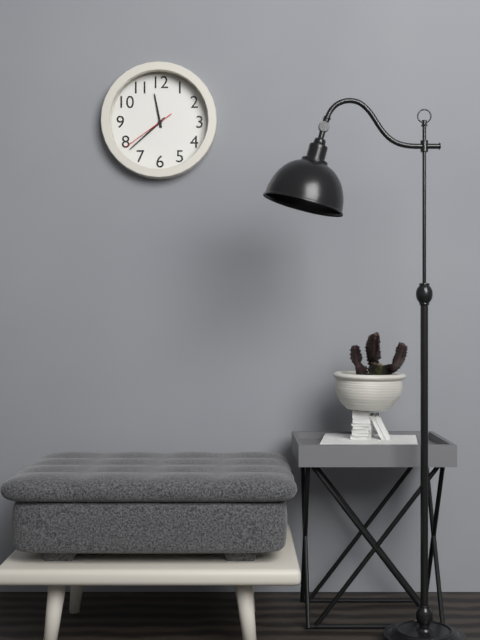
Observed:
{"hour": 11, "minute": 38, "second": 39}
